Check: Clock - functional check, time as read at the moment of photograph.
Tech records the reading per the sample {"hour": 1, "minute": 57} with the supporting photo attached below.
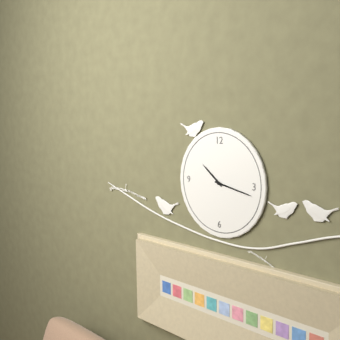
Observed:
{"hour": 10, "minute": 17}
